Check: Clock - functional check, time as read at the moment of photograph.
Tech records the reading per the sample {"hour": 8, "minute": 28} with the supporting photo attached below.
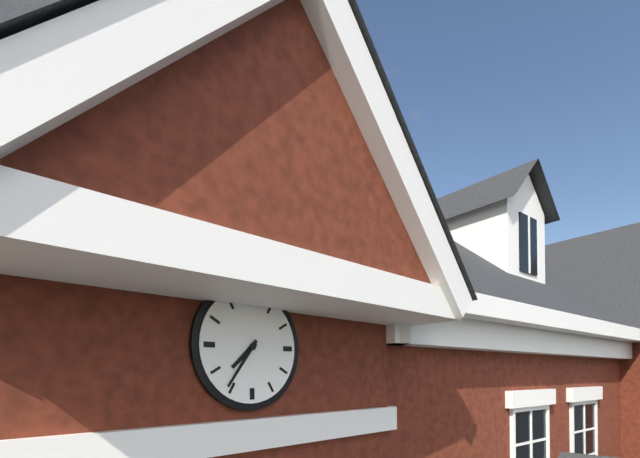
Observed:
{"hour": 7, "minute": 36}
